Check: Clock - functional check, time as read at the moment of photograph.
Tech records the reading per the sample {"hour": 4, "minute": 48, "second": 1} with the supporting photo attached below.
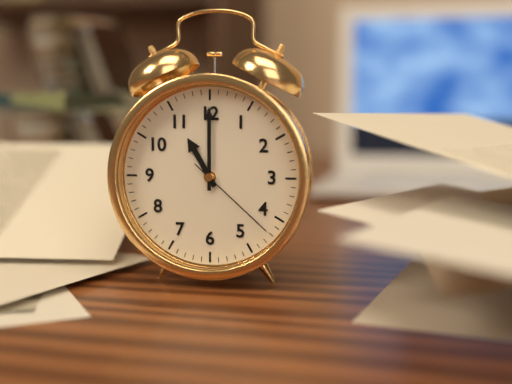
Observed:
{"hour": 11, "minute": 0, "second": 22}
